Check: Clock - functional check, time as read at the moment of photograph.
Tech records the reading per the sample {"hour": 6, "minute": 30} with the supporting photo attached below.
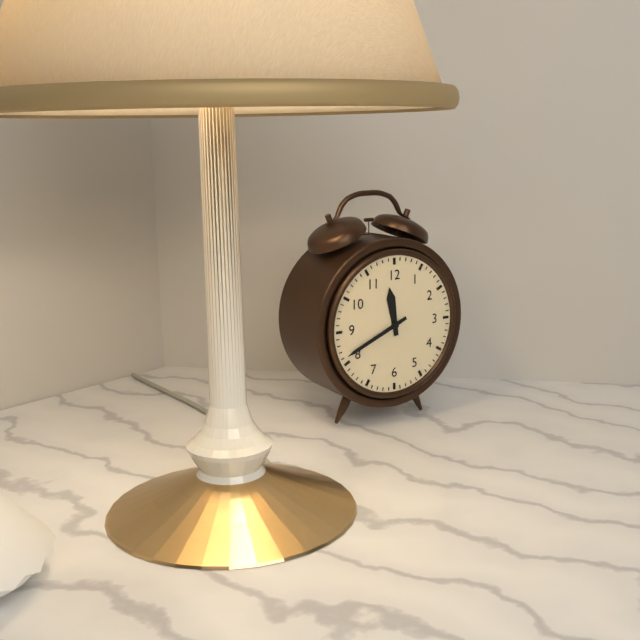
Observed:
{"hour": 11, "minute": 41}
